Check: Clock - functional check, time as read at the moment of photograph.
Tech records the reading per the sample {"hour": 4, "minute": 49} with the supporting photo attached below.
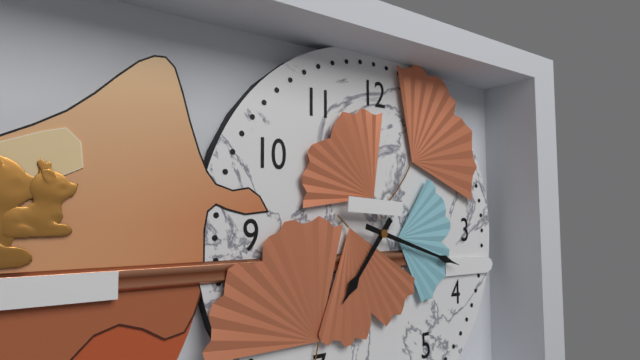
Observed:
{"hour": 7, "minute": 18}
